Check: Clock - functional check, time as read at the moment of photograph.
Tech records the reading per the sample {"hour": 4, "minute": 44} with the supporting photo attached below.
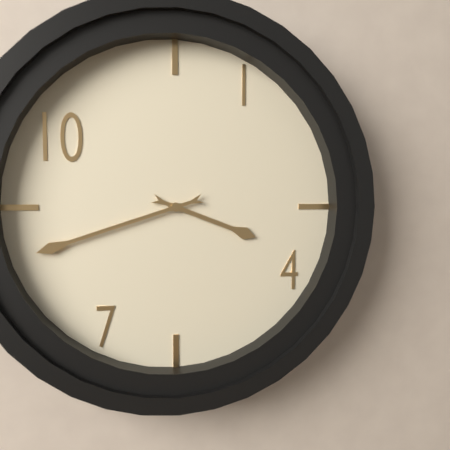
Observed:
{"hour": 3, "minute": 42}
